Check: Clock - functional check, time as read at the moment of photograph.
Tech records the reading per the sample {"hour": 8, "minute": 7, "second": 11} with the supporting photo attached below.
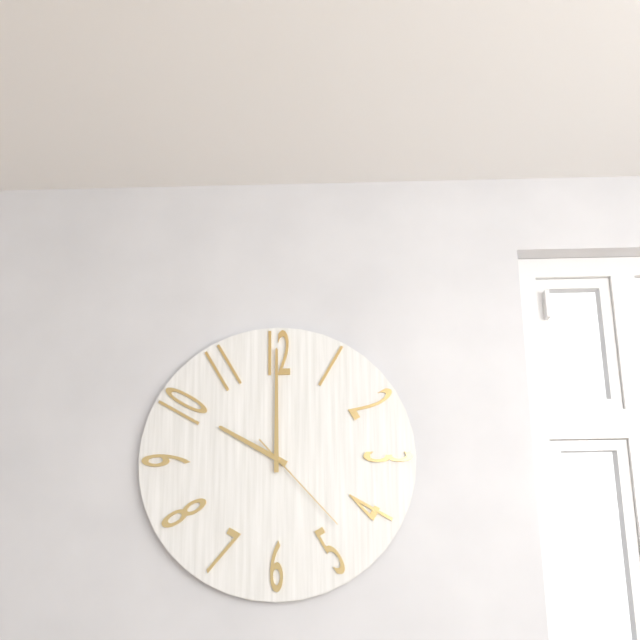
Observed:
{"hour": 10, "minute": 0, "second": 23}
